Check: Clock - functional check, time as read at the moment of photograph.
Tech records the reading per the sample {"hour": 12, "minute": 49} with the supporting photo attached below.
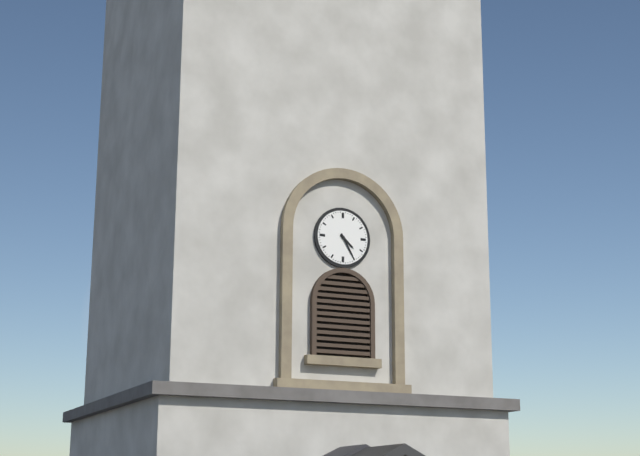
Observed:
{"hour": 4, "minute": 25}
